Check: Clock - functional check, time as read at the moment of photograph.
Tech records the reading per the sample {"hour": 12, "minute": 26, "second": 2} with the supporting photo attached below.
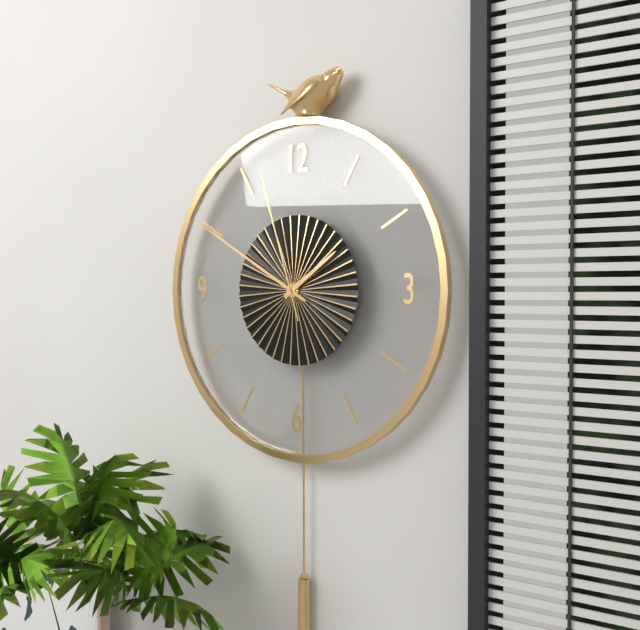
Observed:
{"hour": 1, "minute": 50, "second": 57}
